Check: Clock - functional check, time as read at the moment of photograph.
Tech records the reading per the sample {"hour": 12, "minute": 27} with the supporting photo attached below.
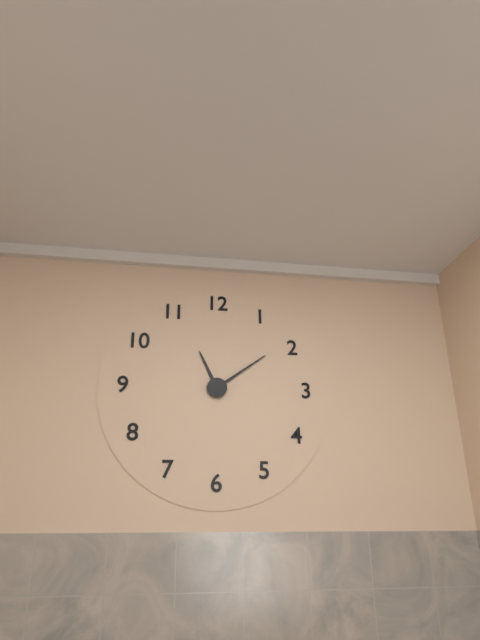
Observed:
{"hour": 11, "minute": 9}
